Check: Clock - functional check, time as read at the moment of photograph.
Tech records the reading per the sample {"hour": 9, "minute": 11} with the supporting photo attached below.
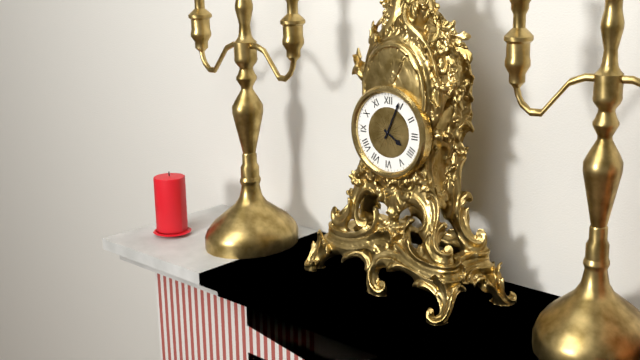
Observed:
{"hour": 4, "minute": 4}
